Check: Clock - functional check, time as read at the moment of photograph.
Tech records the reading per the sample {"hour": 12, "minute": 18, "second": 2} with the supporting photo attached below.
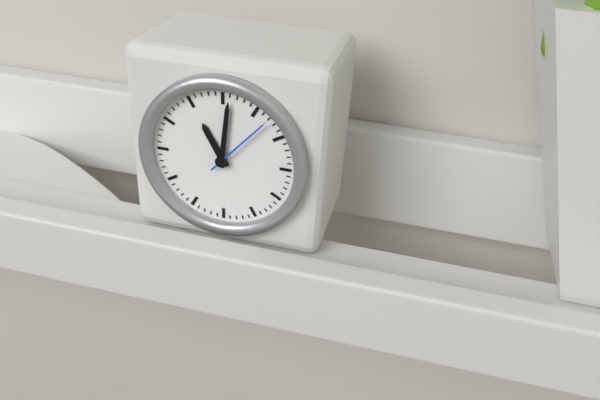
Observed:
{"hour": 11, "minute": 1, "second": 7}
